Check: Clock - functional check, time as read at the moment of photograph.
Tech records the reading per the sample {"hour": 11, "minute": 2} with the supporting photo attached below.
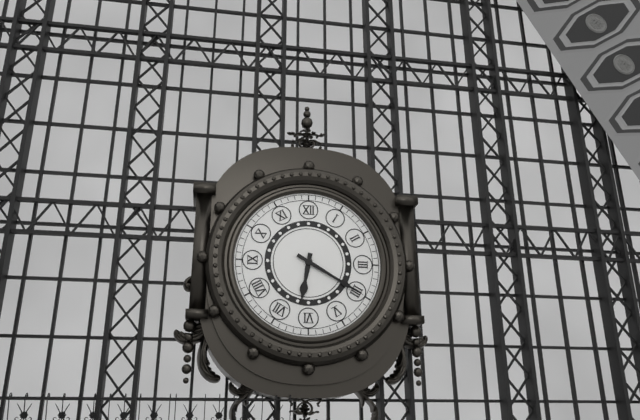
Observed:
{"hour": 6, "minute": 20}
